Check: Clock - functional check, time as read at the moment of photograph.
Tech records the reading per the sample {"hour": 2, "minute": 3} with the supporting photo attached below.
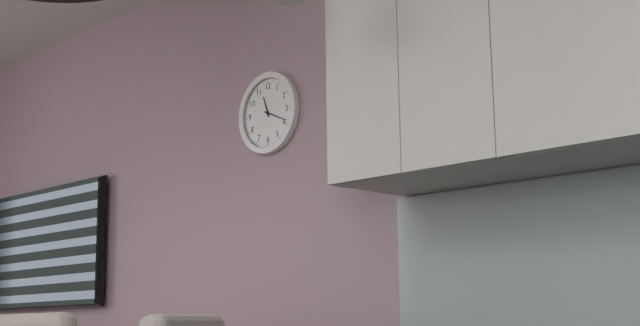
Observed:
{"hour": 11, "minute": 19}
